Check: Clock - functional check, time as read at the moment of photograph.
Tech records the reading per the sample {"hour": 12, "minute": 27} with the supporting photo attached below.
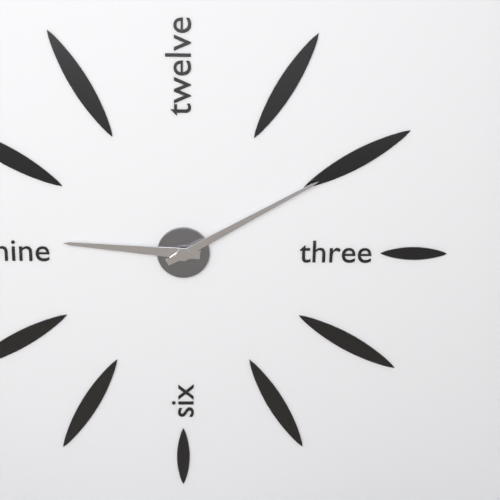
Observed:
{"hour": 9, "minute": 10}
